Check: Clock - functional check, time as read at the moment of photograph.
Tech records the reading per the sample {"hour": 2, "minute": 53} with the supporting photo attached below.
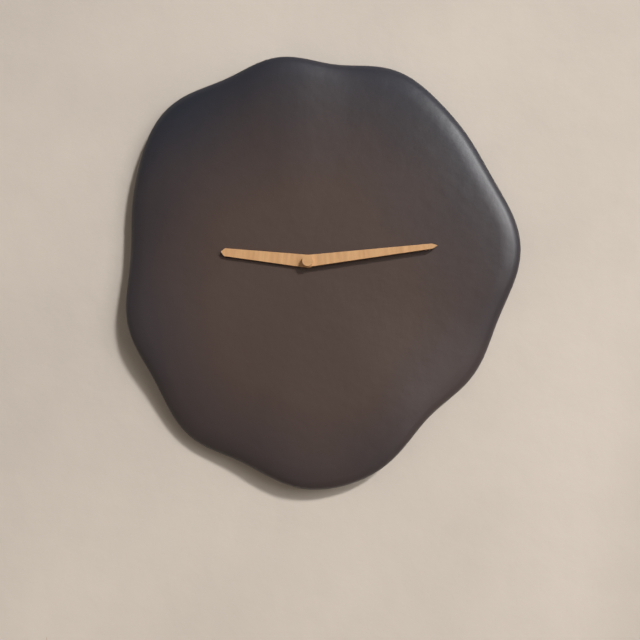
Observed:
{"hour": 9, "minute": 14}
